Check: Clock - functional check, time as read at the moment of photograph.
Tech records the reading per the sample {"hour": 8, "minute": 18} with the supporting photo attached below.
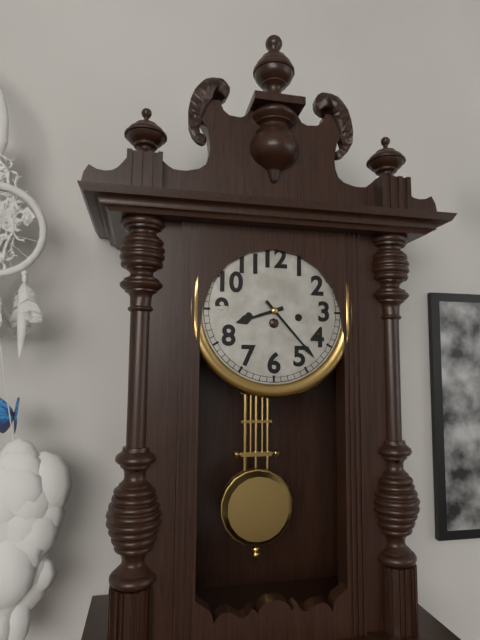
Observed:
{"hour": 8, "minute": 23}
